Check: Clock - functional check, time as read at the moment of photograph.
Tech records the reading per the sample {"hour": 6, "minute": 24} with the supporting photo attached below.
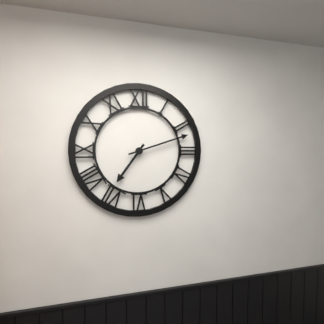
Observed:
{"hour": 7, "minute": 12}
